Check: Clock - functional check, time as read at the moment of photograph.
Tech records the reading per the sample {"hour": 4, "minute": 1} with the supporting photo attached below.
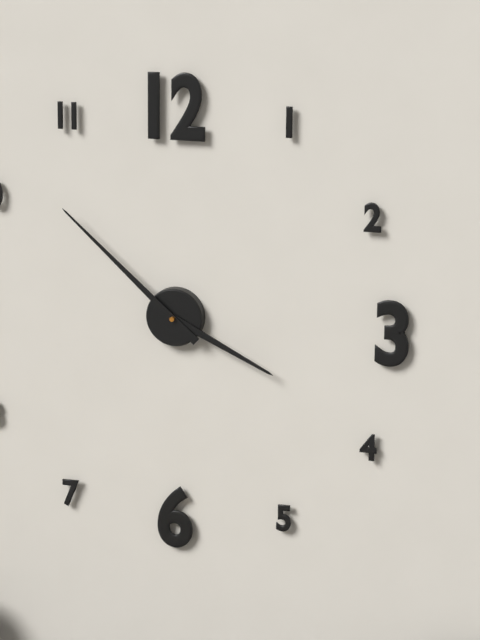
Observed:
{"hour": 3, "minute": 52}
